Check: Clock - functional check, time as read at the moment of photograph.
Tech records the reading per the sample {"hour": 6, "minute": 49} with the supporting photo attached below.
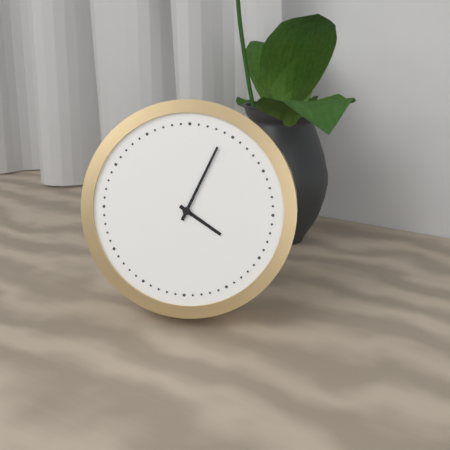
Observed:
{"hour": 4, "minute": 4}
